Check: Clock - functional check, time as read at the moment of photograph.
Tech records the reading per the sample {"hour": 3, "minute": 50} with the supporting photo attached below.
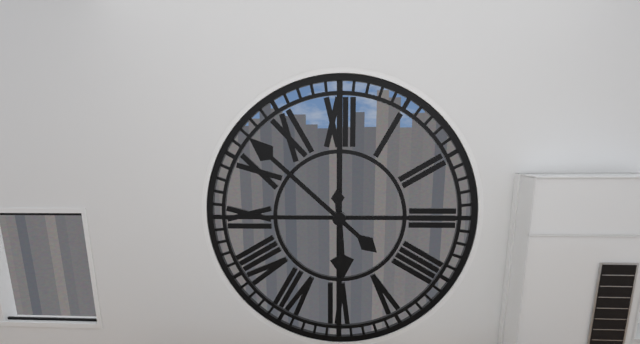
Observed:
{"hour": 5, "minute": 52}
